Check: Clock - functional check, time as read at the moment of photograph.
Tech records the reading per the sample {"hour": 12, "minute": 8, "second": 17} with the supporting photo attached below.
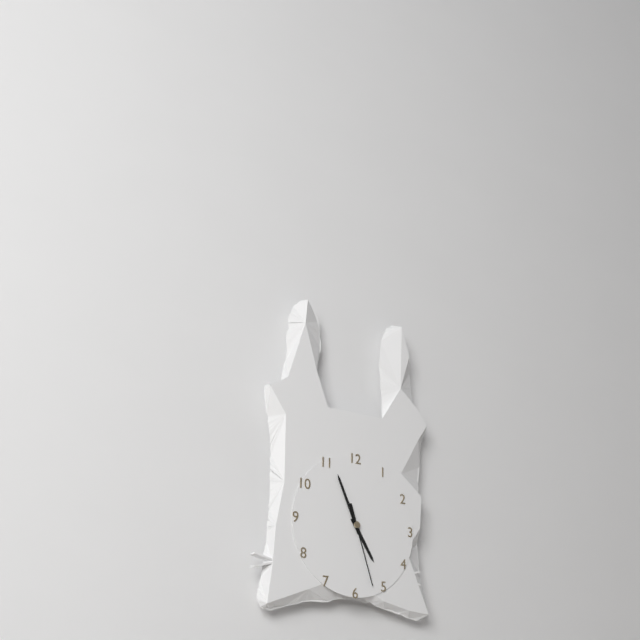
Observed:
{"hour": 4, "minute": 56, "second": 27}
